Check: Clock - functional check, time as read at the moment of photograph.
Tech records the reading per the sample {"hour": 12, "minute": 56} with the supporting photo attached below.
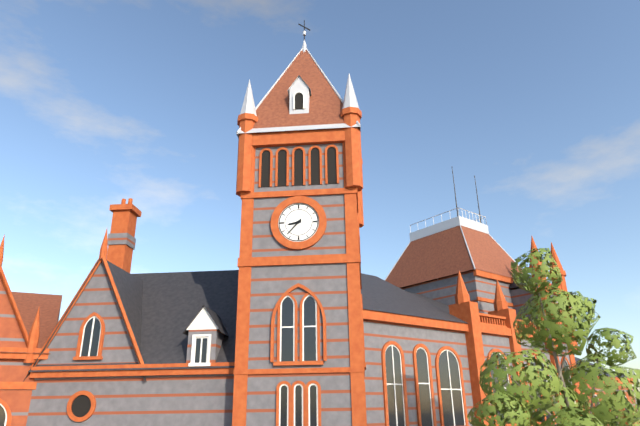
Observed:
{"hour": 8, "minute": 37}
